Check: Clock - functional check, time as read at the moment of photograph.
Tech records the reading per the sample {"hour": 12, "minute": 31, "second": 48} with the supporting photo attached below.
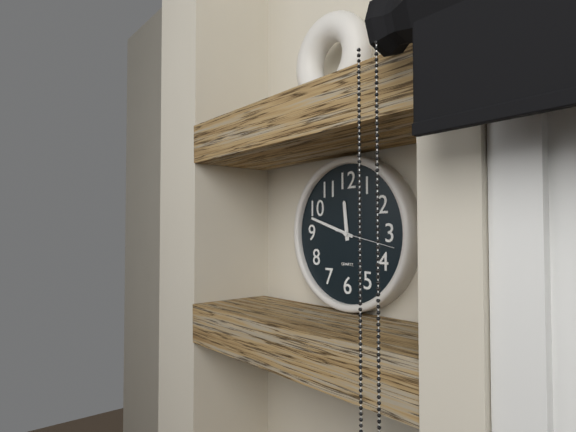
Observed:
{"hour": 11, "minute": 48, "second": 17}
